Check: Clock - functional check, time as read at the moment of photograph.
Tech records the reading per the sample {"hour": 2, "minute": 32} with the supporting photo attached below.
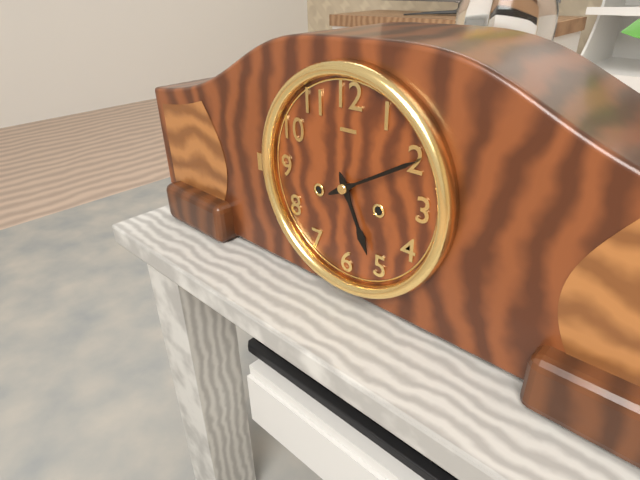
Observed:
{"hour": 5, "minute": 10}
